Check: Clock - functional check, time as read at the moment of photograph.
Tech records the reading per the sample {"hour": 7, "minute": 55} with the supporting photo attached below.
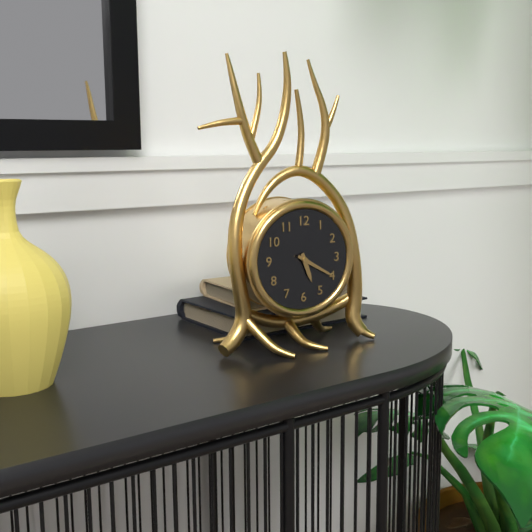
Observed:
{"hour": 5, "minute": 20}
